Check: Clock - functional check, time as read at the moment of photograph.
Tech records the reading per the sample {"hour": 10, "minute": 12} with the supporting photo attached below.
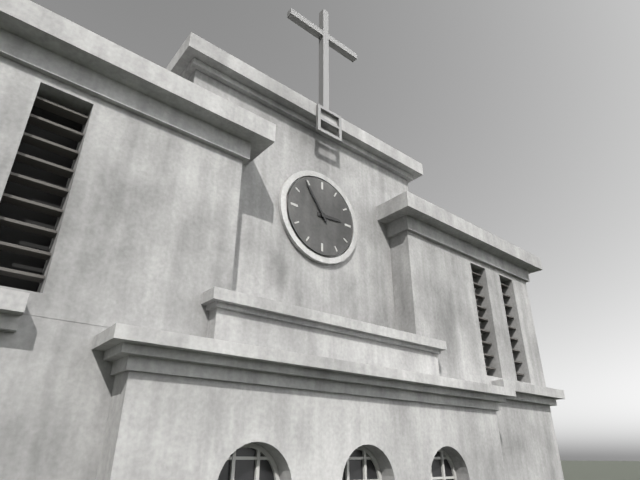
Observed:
{"hour": 2, "minute": 54}
